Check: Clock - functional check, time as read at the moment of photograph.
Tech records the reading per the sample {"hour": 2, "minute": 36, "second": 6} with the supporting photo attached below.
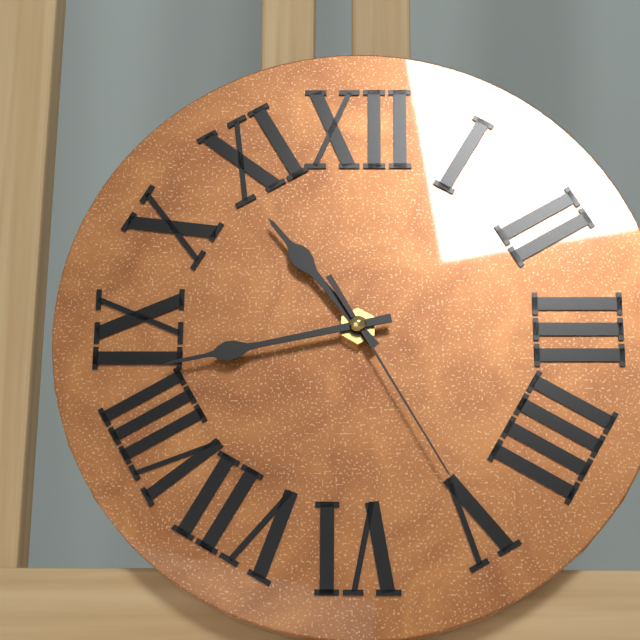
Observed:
{"hour": 10, "minute": 43, "second": 25}
